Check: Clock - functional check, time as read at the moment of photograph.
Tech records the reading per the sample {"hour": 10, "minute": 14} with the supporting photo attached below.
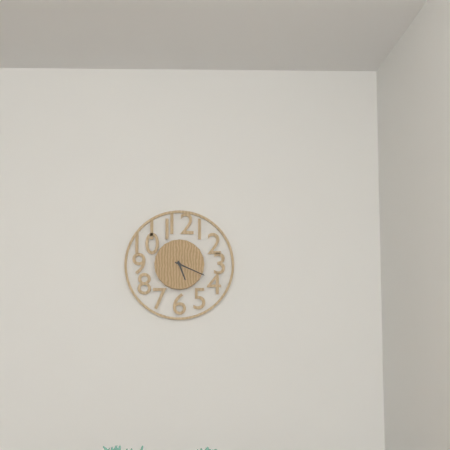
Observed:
{"hour": 5, "minute": 19}
